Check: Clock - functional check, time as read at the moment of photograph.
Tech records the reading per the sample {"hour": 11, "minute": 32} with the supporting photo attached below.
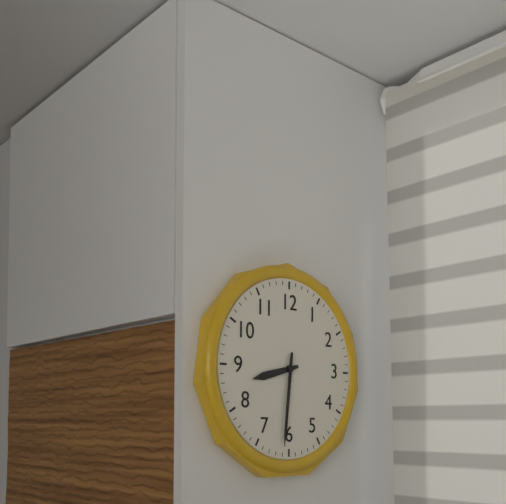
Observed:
{"hour": 8, "minute": 31}
